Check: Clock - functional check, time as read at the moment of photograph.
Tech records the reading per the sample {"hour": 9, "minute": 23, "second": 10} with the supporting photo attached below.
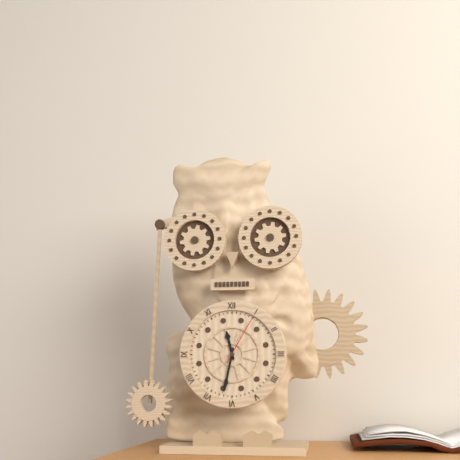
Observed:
{"hour": 11, "minute": 32, "second": 5}
